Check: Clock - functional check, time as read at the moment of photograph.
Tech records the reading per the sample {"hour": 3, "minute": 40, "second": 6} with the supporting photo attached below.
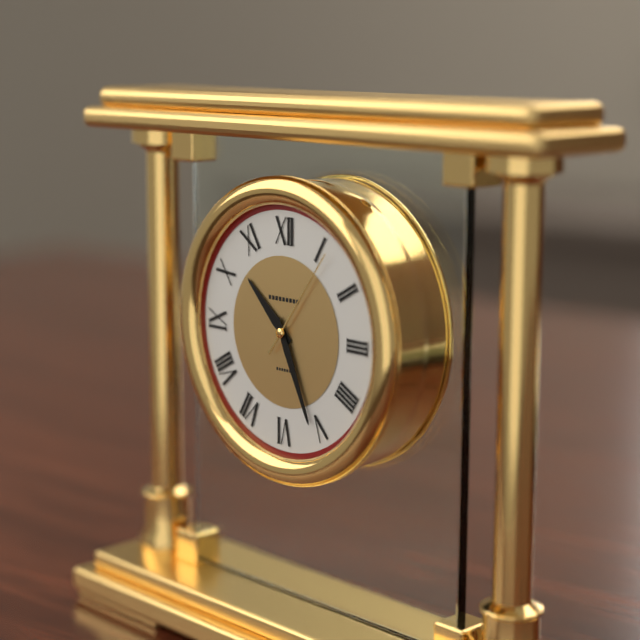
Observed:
{"hour": 10, "minute": 26, "second": 6}
